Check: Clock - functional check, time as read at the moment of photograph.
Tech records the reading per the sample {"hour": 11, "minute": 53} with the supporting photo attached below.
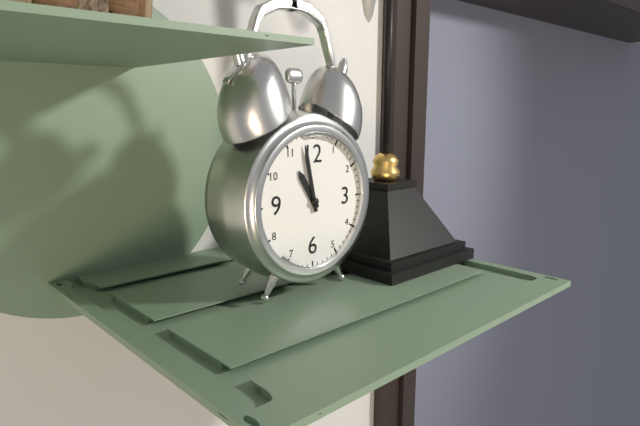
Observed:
{"hour": 10, "minute": 58}
